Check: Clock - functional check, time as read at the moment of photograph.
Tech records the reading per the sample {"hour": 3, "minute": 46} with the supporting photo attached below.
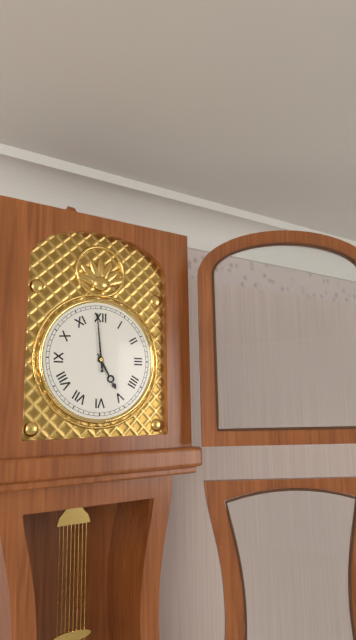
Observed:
{"hour": 4, "minute": 59}
